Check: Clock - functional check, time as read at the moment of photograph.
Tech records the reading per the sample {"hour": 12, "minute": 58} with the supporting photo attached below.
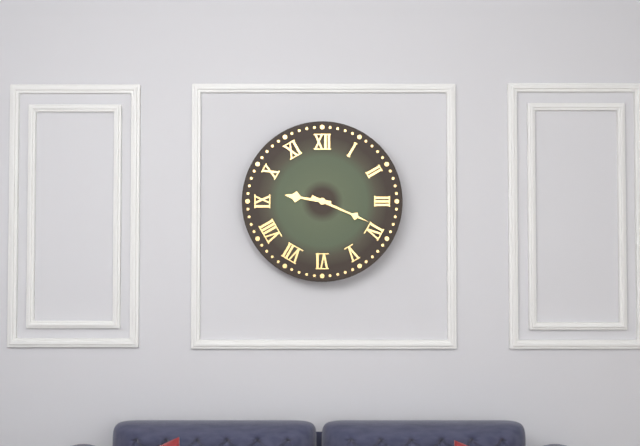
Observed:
{"hour": 9, "minute": 19}
